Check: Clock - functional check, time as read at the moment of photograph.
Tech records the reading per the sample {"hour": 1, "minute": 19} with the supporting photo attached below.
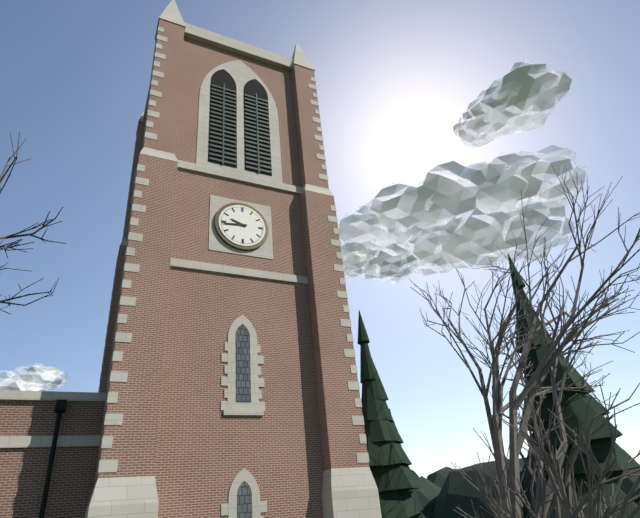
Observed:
{"hour": 9, "minute": 44}
